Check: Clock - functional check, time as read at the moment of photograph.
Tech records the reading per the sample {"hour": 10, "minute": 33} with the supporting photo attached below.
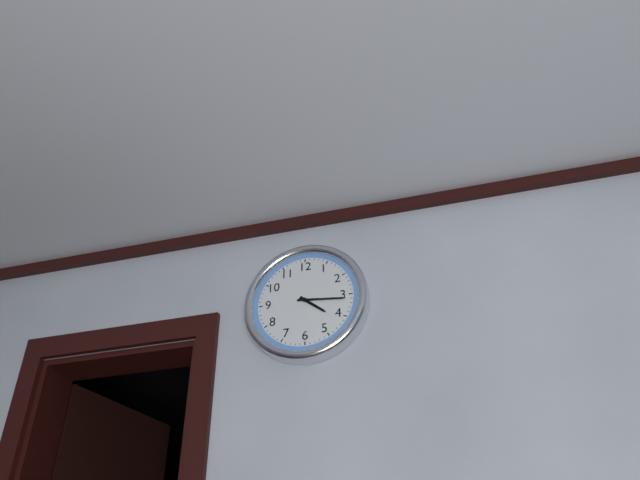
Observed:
{"hour": 4, "minute": 16}
